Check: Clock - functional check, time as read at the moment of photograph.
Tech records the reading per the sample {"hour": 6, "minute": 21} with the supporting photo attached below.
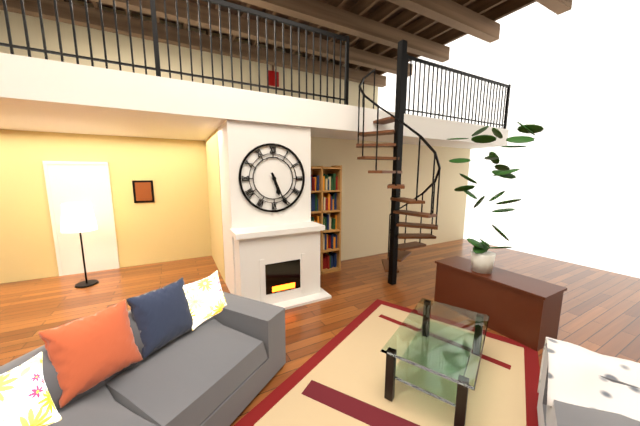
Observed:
{"hour": 5, "minute": 26}
